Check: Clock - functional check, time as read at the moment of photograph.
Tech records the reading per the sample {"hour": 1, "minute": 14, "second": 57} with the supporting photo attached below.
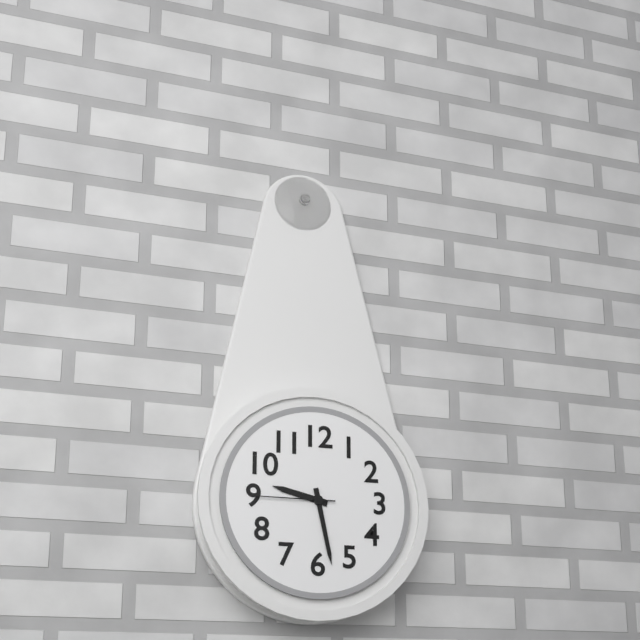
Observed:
{"hour": 9, "minute": 28, "second": 45}
